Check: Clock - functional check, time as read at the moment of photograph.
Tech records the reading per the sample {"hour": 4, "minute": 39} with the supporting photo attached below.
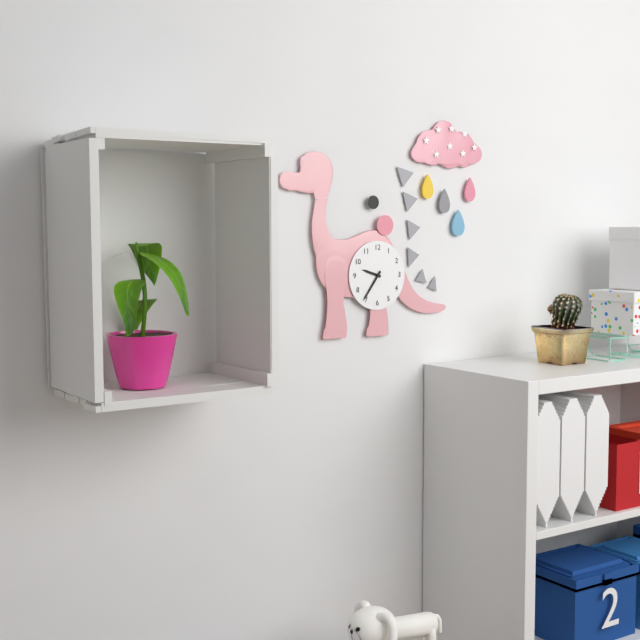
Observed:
{"hour": 9, "minute": 36}
